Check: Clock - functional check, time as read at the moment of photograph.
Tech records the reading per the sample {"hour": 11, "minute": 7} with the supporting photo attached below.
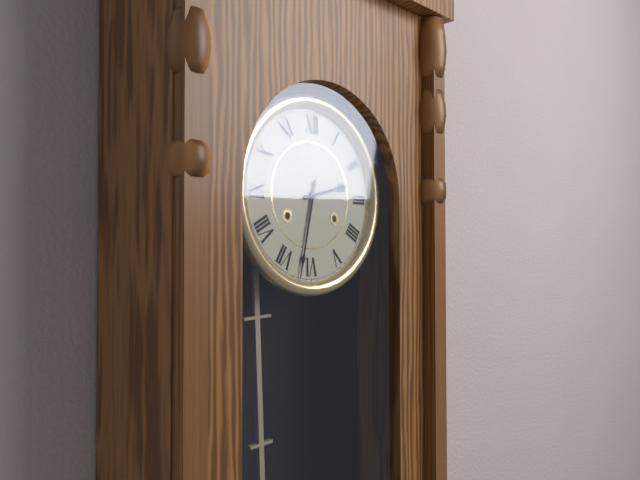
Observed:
{"hour": 2, "minute": 32}
